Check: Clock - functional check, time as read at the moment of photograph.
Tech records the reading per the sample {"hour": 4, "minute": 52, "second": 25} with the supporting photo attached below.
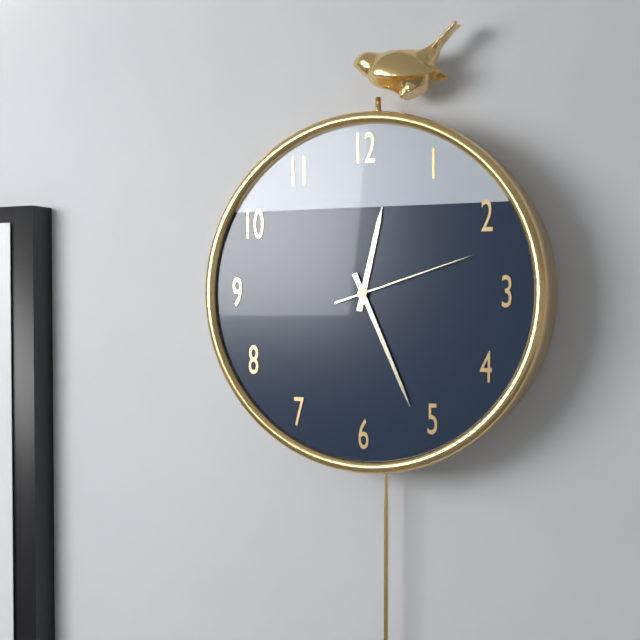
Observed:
{"hour": 12, "minute": 26, "second": 12}
